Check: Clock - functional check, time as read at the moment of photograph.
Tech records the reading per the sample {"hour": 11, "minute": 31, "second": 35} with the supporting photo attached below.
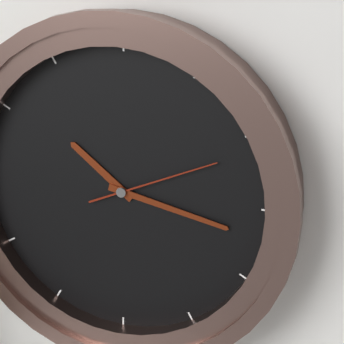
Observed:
{"hour": 10, "minute": 17, "second": 11}
